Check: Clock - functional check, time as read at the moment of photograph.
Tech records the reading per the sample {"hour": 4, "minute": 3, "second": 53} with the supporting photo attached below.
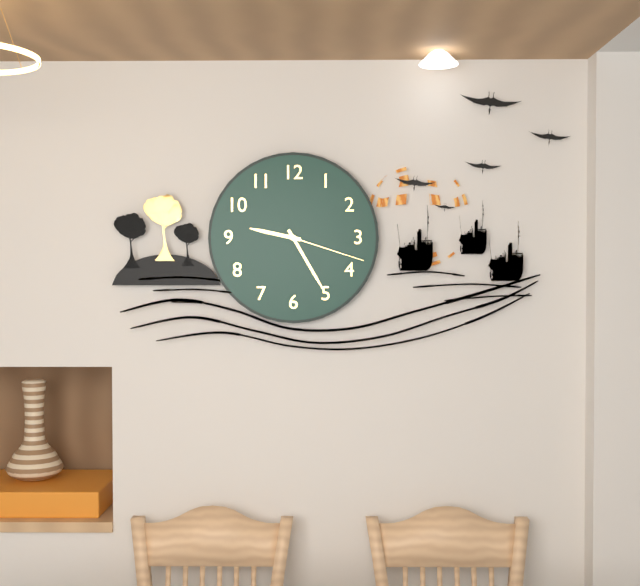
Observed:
{"hour": 9, "minute": 25, "second": 18}
